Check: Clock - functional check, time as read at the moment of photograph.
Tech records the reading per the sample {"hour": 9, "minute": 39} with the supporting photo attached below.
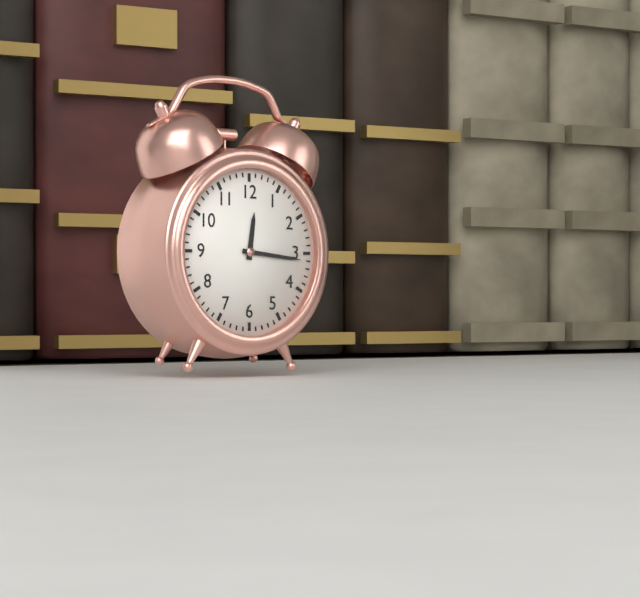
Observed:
{"hour": 12, "minute": 16}
